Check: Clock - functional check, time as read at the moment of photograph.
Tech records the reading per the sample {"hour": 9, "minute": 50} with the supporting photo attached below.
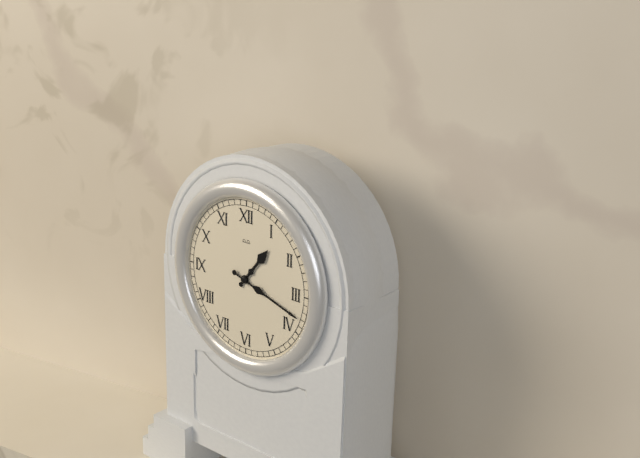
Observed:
{"hour": 1, "minute": 18}
